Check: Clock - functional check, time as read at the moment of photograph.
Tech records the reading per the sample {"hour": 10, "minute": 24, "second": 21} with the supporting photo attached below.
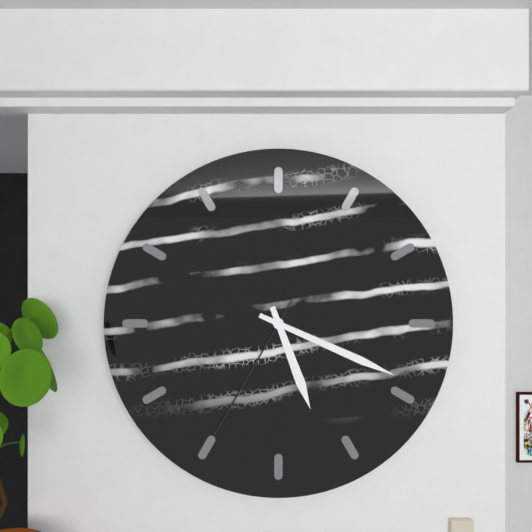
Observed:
{"hour": 5, "minute": 19, "second": 35}
